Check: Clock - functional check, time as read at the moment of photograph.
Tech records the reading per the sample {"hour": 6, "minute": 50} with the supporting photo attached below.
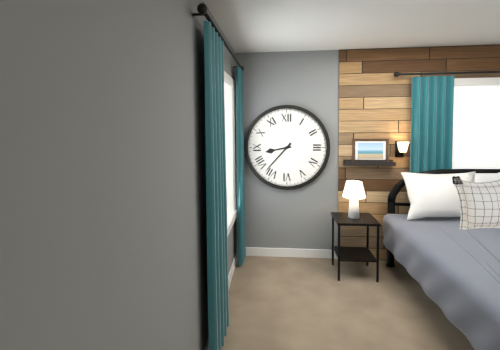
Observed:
{"hour": 8, "minute": 37}
